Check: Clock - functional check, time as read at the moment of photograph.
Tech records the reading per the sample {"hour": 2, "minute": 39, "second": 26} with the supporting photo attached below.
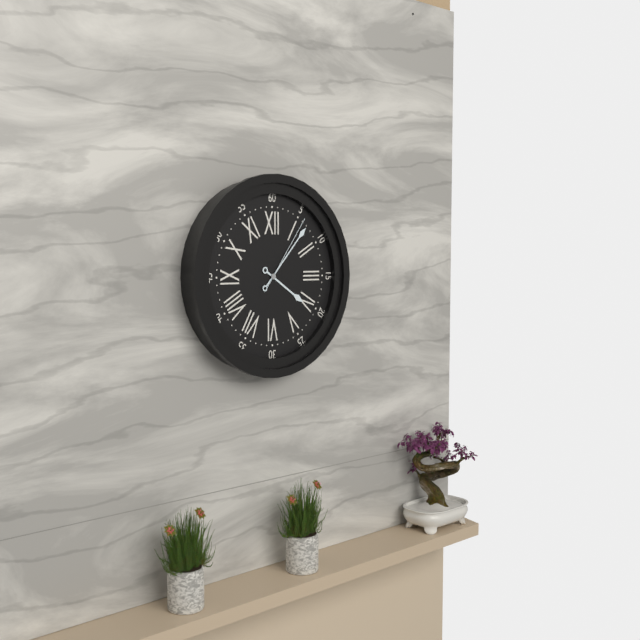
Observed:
{"hour": 4, "minute": 7, "second": 6}
